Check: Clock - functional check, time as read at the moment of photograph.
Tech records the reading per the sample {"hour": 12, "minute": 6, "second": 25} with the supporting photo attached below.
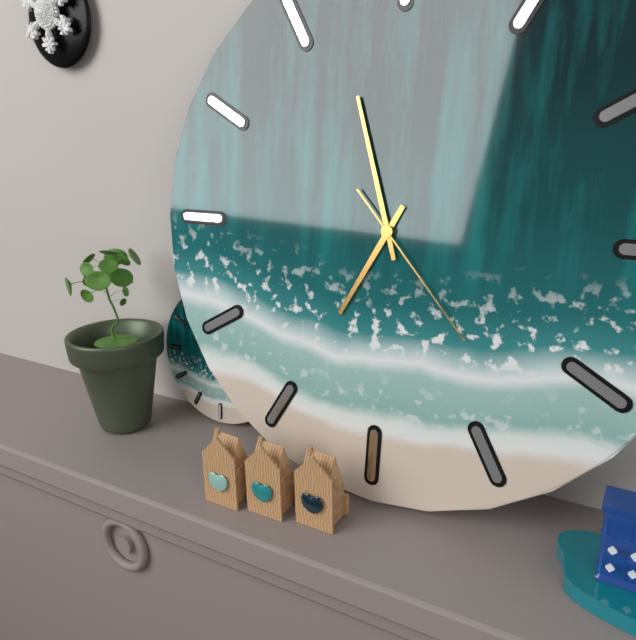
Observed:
{"hour": 6, "minute": 57, "second": 23}
